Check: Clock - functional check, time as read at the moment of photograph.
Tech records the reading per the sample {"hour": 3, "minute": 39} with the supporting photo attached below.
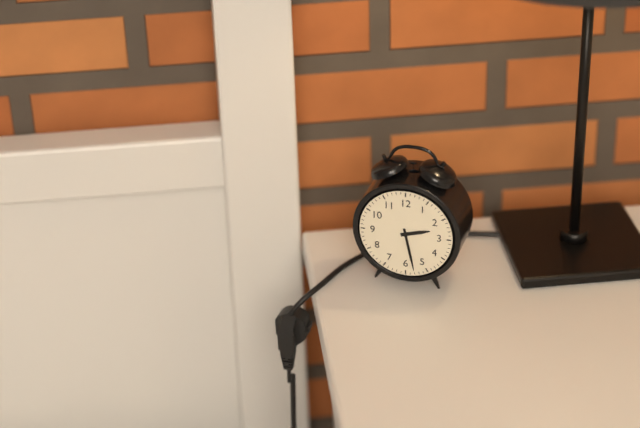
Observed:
{"hour": 2, "minute": 28}
